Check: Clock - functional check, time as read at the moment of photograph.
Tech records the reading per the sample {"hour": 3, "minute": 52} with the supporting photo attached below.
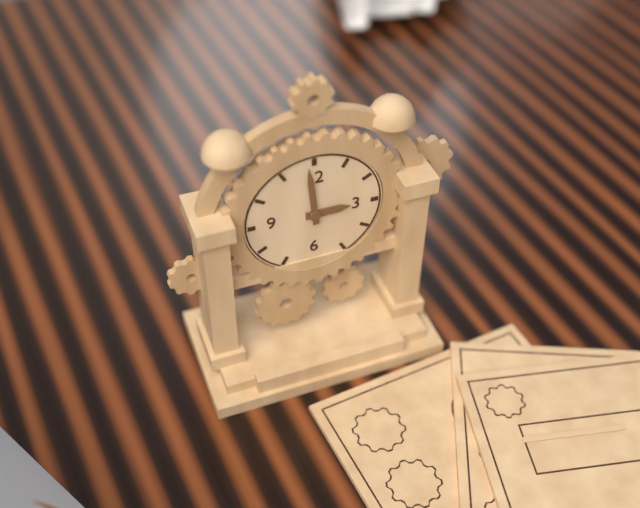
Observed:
{"hour": 2, "minute": 59}
